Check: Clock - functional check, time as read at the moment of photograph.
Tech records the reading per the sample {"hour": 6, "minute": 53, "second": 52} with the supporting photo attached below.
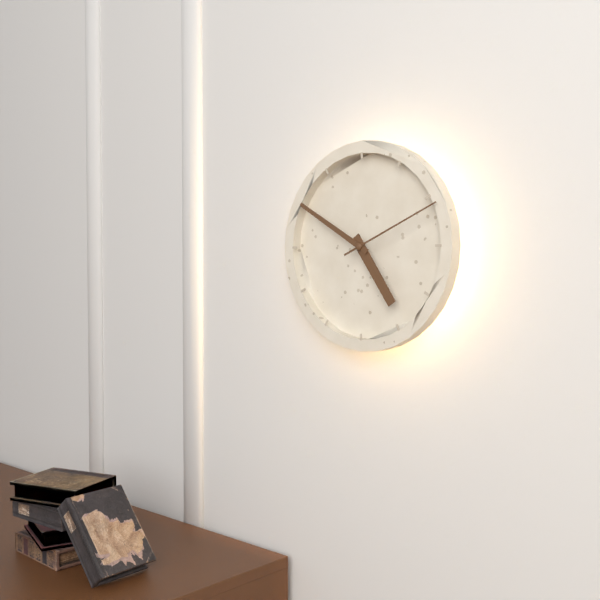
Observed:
{"hour": 4, "minute": 50, "second": 11}
